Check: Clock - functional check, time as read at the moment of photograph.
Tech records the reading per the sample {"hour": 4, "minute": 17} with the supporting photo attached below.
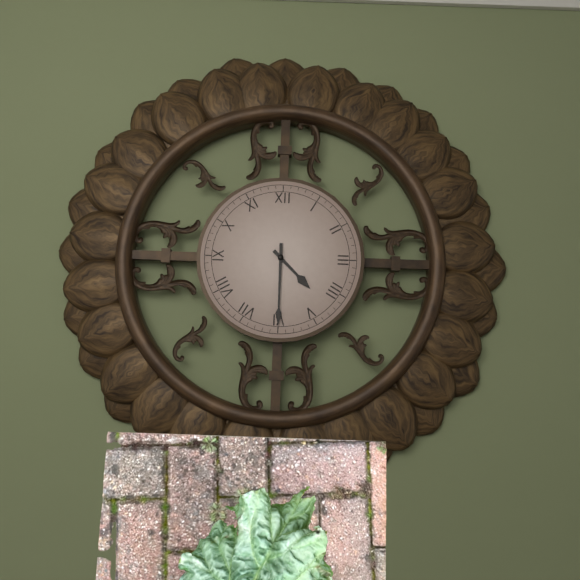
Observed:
{"hour": 4, "minute": 30}
